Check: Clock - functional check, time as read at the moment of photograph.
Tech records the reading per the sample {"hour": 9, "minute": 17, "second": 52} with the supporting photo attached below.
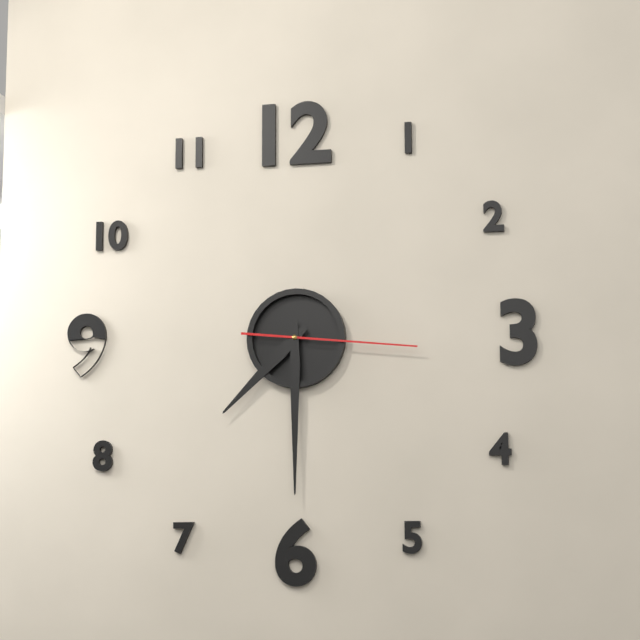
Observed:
{"hour": 7, "minute": 30, "second": 16}
